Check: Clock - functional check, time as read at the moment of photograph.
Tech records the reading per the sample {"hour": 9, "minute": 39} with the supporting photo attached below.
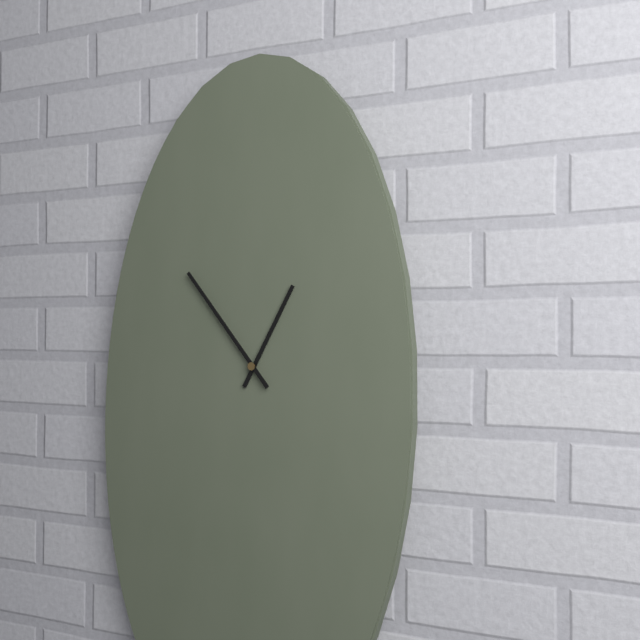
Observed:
{"hour": 12, "minute": 53}
